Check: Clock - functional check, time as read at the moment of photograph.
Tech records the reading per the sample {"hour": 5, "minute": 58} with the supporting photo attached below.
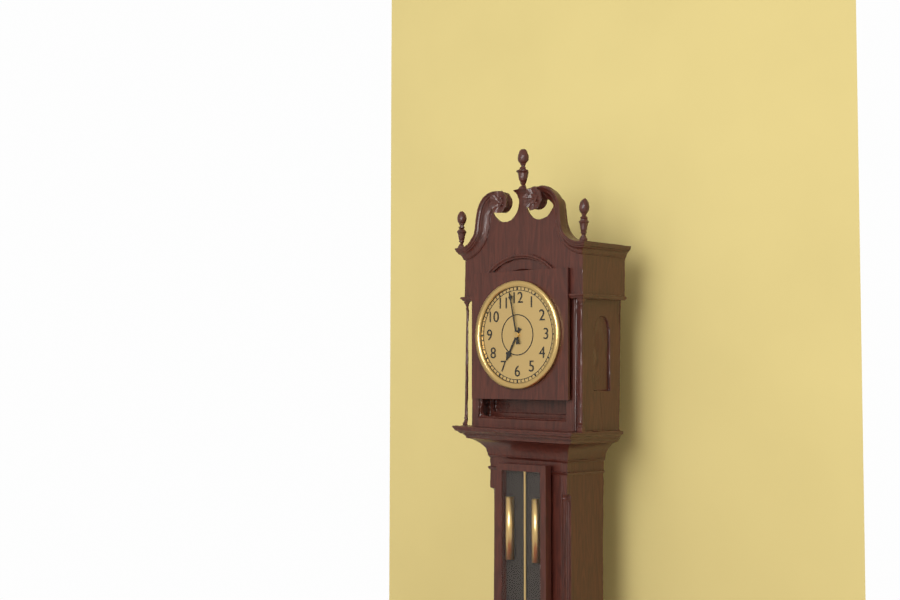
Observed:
{"hour": 6, "minute": 58}
